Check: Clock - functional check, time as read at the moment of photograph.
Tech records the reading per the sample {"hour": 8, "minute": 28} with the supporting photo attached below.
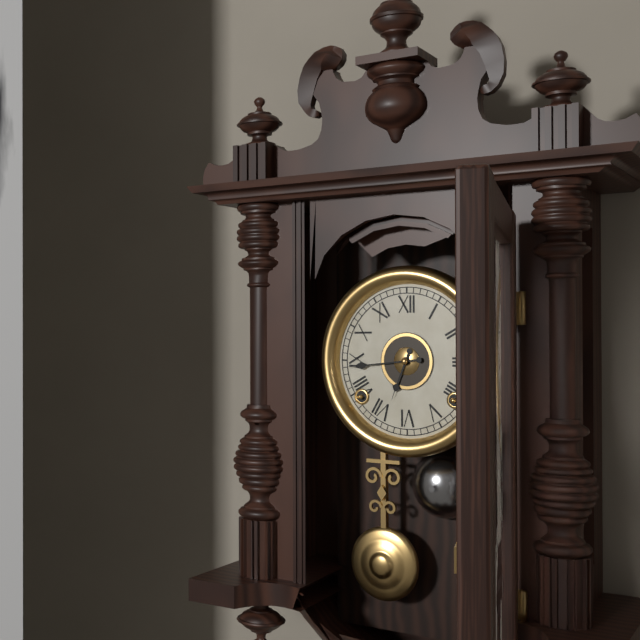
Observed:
{"hour": 6, "minute": 44}
